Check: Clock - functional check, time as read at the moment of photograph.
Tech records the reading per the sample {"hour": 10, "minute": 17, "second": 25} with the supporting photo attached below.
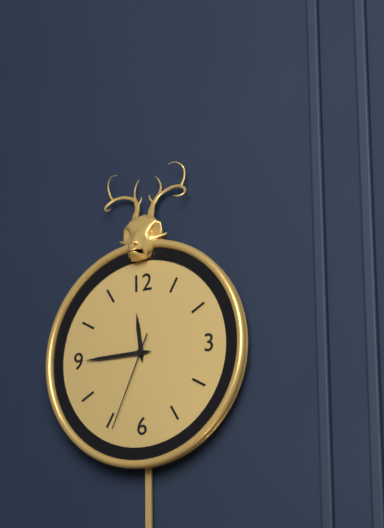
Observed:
{"hour": 11, "minute": 45, "second": 34}
